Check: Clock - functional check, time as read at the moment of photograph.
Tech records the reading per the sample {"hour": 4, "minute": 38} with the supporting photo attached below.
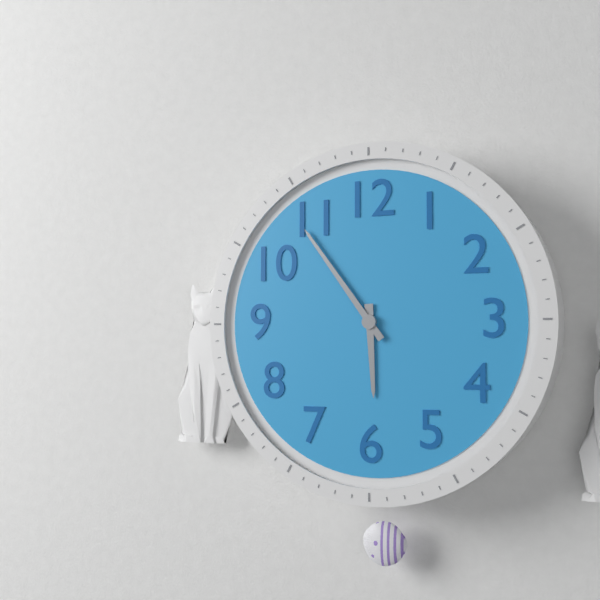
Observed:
{"hour": 5, "minute": 54}
